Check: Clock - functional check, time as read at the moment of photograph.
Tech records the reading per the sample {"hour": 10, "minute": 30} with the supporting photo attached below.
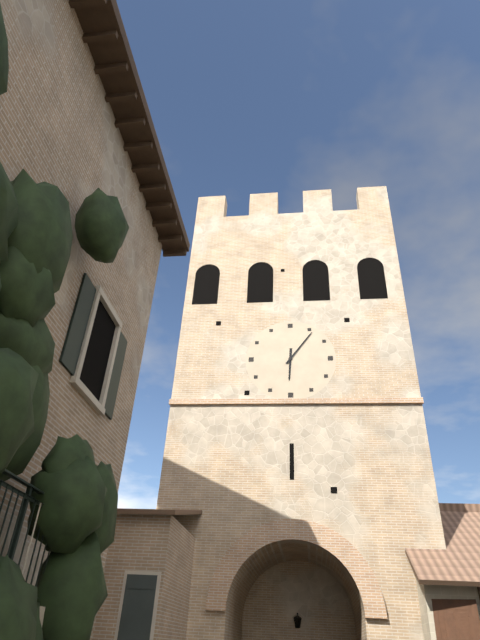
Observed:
{"hour": 6, "minute": 6}
